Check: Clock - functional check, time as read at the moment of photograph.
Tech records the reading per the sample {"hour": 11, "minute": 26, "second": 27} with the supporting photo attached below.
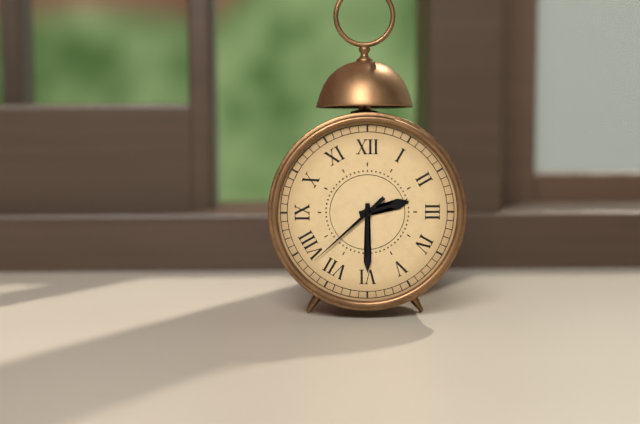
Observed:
{"hour": 2, "minute": 30, "second": 38}
